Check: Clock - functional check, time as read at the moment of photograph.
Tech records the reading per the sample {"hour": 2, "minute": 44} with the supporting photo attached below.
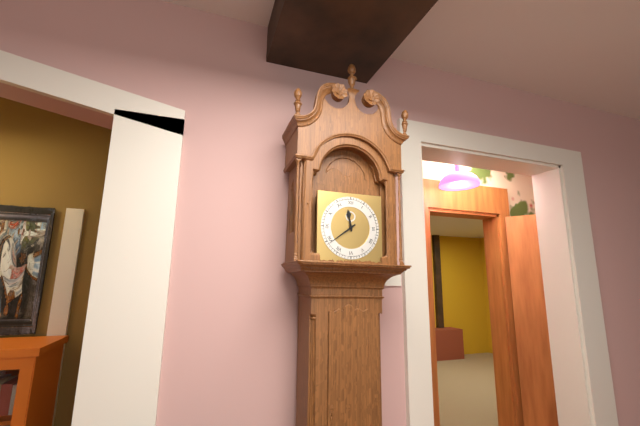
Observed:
{"hour": 11, "minute": 39}
